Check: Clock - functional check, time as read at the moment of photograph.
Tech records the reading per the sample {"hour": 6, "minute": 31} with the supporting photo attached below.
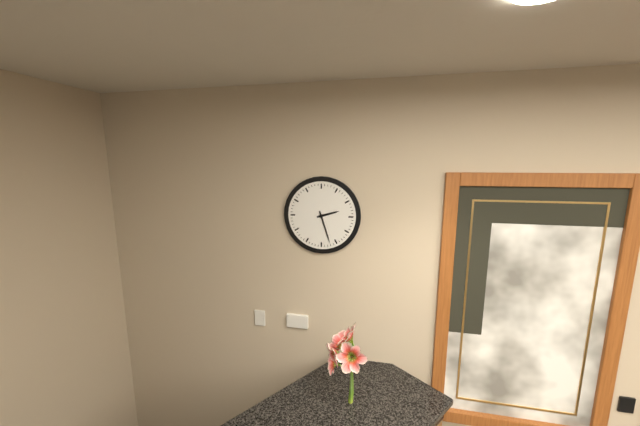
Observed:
{"hour": 2, "minute": 27}
